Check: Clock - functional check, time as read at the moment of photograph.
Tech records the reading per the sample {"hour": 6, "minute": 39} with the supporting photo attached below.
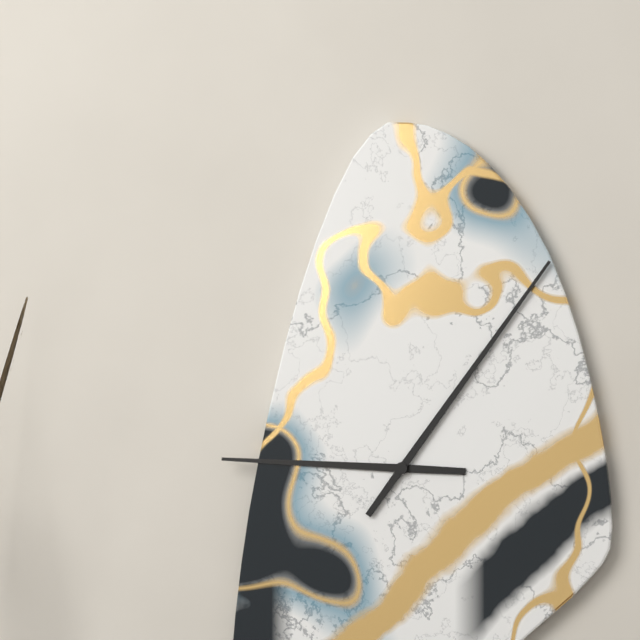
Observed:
{"hour": 9, "minute": 6}
